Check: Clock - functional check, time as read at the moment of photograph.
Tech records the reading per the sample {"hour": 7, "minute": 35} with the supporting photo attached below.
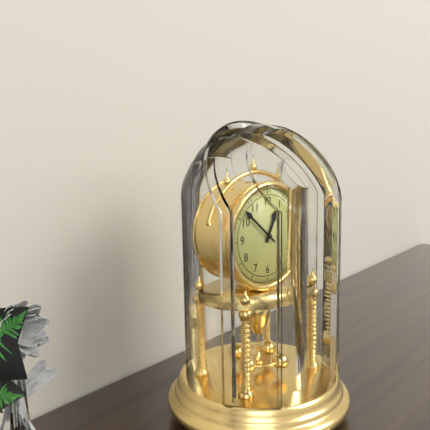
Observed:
{"hour": 12, "minute": 52}
